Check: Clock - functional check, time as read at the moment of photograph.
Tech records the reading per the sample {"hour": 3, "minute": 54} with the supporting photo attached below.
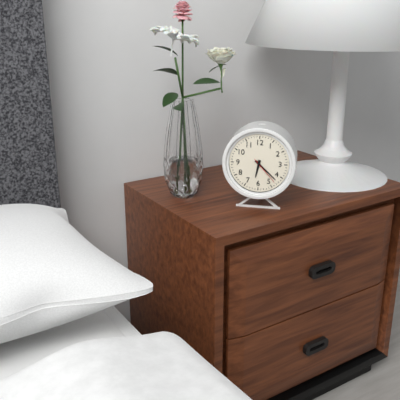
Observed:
{"hour": 6, "minute": 22}
